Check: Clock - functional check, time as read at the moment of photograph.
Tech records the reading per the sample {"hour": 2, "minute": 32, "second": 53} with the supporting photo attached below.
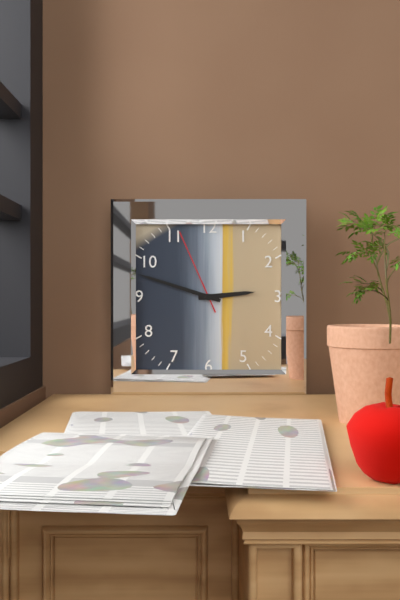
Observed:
{"hour": 2, "minute": 48, "second": 56}
